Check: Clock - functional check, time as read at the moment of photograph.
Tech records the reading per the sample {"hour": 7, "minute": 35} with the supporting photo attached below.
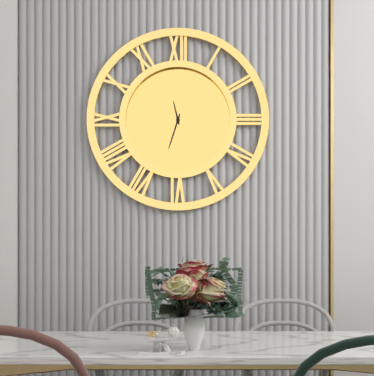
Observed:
{"hour": 11, "minute": 33}
